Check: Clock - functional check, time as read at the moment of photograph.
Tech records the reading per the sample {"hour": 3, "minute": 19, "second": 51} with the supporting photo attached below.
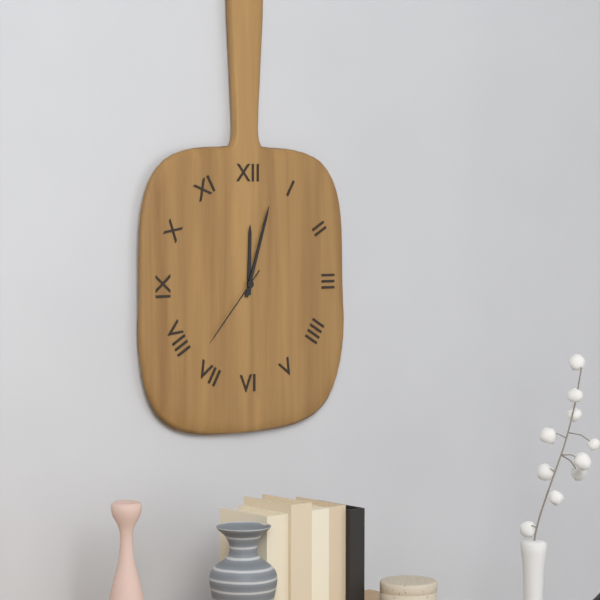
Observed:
{"hour": 12, "minute": 3, "second": 37}
